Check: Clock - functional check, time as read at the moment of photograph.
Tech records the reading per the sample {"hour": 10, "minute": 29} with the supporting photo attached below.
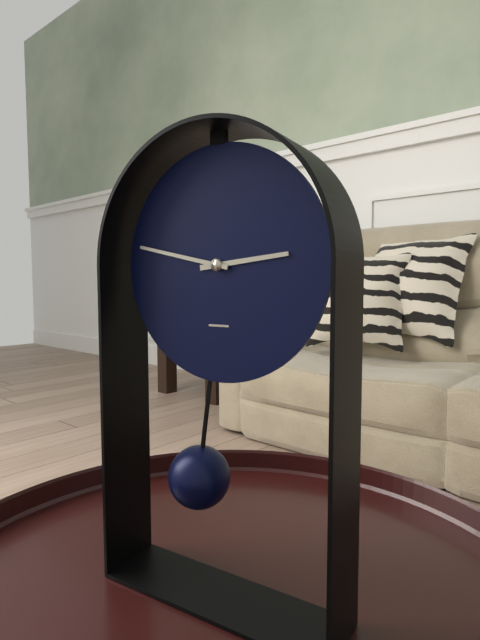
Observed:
{"hour": 2, "minute": 47}
